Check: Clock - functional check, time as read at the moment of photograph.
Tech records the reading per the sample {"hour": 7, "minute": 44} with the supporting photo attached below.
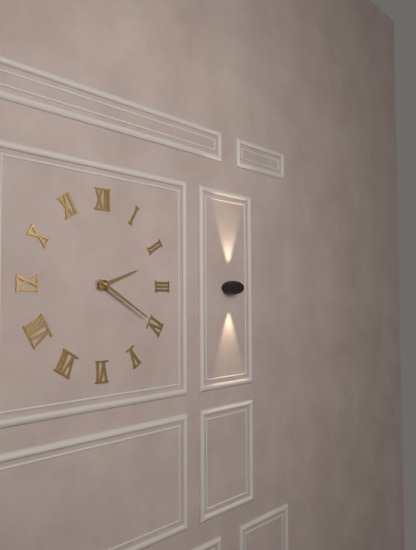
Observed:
{"hour": 2, "minute": 20}
